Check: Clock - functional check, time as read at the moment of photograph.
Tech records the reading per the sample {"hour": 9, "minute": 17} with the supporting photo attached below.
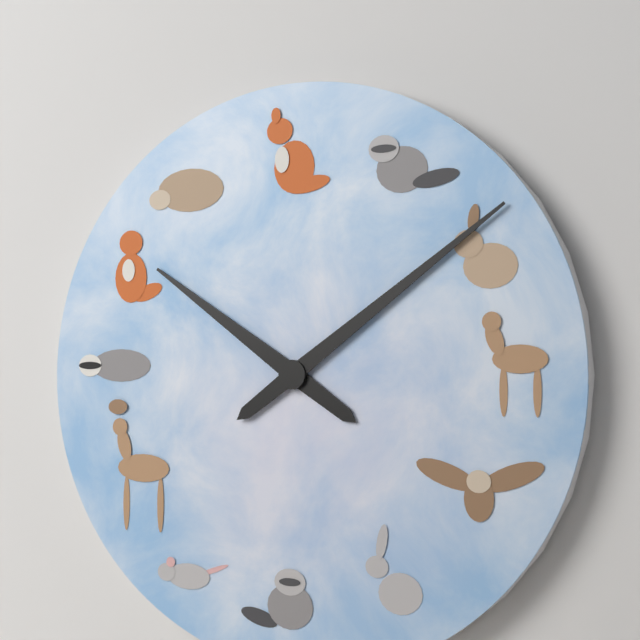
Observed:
{"hour": 10, "minute": 9}
